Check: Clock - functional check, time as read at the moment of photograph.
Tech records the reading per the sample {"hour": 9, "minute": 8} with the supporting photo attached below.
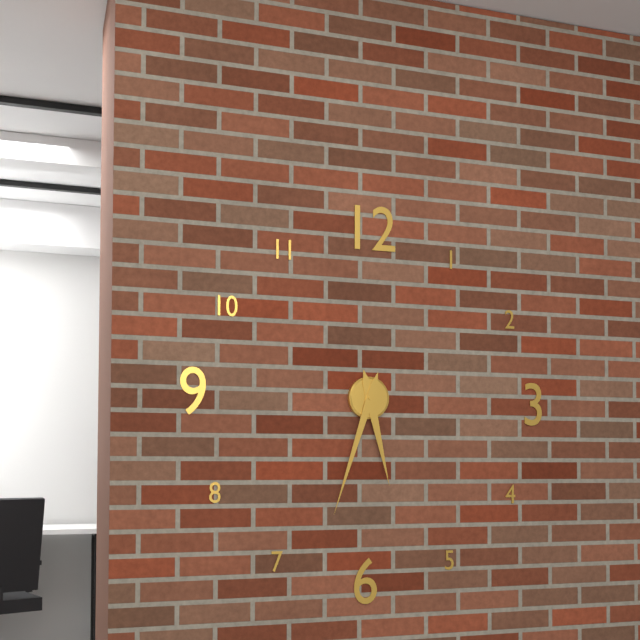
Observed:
{"hour": 5, "minute": 33}
